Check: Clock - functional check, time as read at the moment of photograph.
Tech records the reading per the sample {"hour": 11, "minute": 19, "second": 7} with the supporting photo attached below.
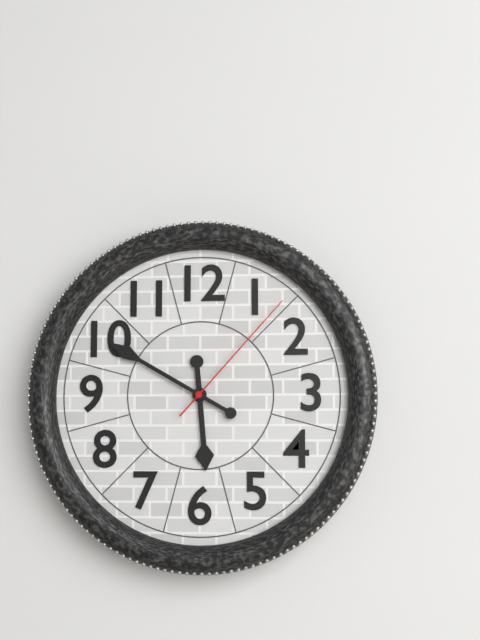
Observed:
{"hour": 5, "minute": 50, "second": 7}
